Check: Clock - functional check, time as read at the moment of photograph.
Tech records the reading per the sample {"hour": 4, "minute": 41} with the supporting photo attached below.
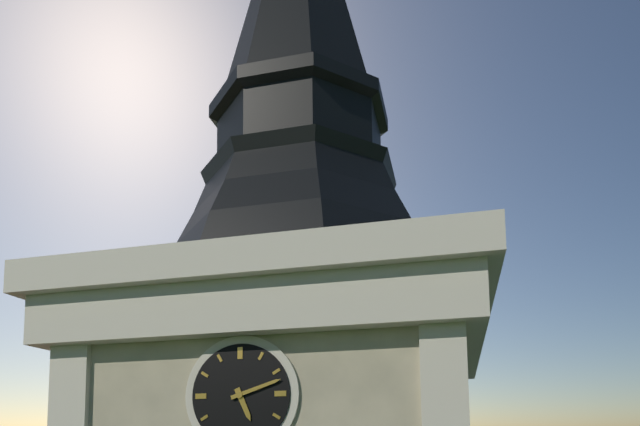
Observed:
{"hour": 5, "minute": 12}
